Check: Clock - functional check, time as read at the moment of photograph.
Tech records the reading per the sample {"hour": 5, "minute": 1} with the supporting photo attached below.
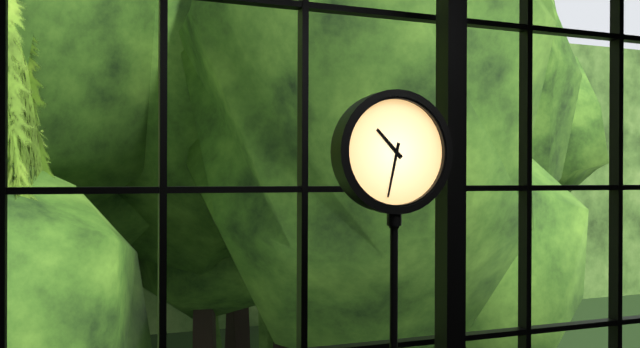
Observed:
{"hour": 10, "minute": 32}
